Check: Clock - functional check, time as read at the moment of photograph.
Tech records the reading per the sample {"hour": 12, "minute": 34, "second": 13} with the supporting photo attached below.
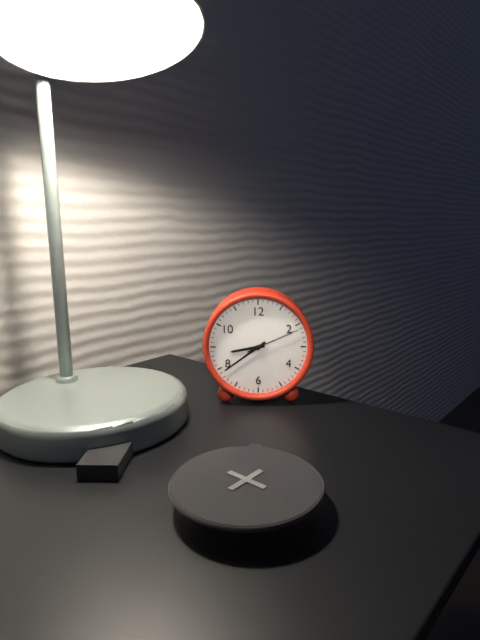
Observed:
{"hour": 8, "minute": 39, "second": 11}
